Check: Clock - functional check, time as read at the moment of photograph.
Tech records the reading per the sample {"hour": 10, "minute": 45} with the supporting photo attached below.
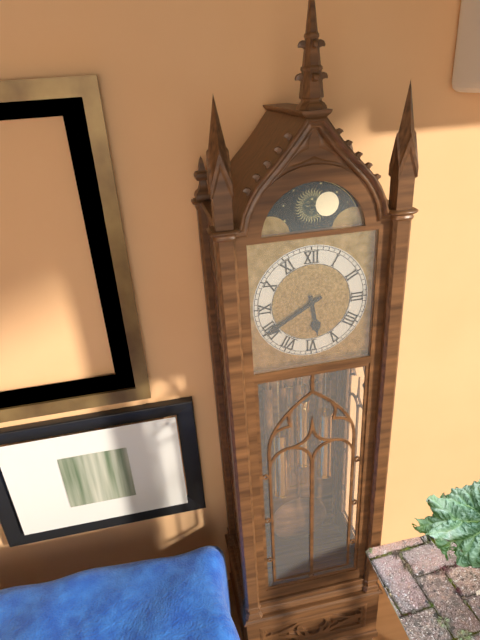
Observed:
{"hour": 5, "minute": 40}
